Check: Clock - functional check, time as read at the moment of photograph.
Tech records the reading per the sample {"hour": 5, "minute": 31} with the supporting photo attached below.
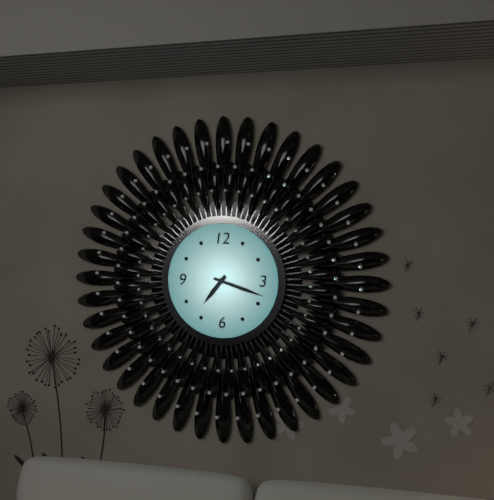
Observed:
{"hour": 7, "minute": 18}
